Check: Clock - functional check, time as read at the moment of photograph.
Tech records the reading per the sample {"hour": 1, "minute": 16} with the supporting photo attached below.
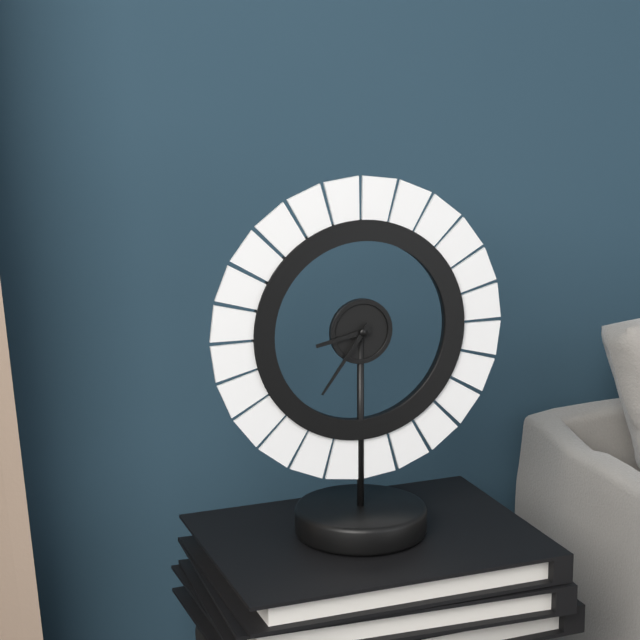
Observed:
{"hour": 8, "minute": 36}
